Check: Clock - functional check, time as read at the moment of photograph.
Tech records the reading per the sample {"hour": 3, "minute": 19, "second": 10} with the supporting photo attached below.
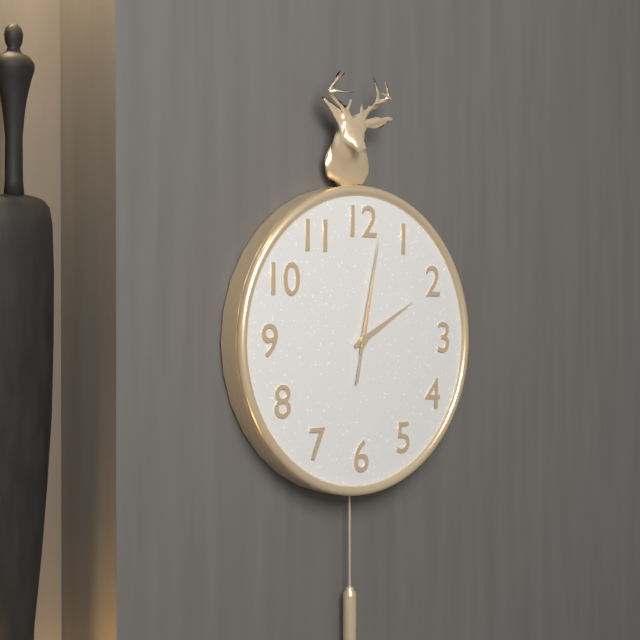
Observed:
{"hour": 2, "minute": 2, "second": 2}
